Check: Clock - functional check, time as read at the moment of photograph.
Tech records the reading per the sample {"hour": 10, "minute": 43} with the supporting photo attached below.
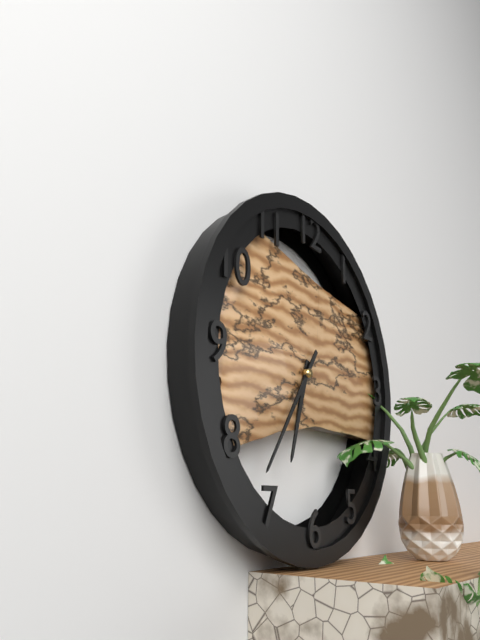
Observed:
{"hour": 6, "minute": 36}
